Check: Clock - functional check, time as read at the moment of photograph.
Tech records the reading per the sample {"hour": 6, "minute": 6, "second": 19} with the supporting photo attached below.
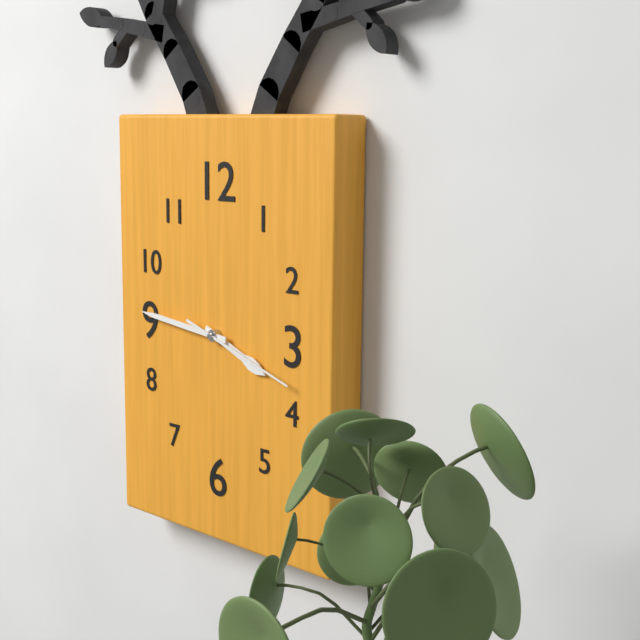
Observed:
{"hour": 3, "minute": 46, "second": 18}
